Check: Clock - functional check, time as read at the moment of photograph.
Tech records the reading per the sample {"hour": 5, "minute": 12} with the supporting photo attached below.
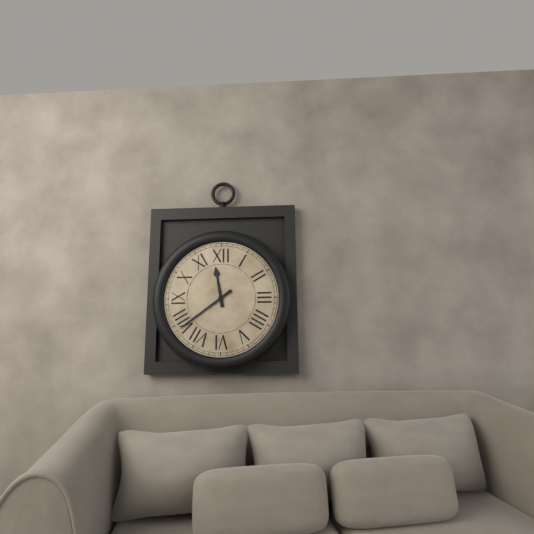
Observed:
{"hour": 11, "minute": 39}
